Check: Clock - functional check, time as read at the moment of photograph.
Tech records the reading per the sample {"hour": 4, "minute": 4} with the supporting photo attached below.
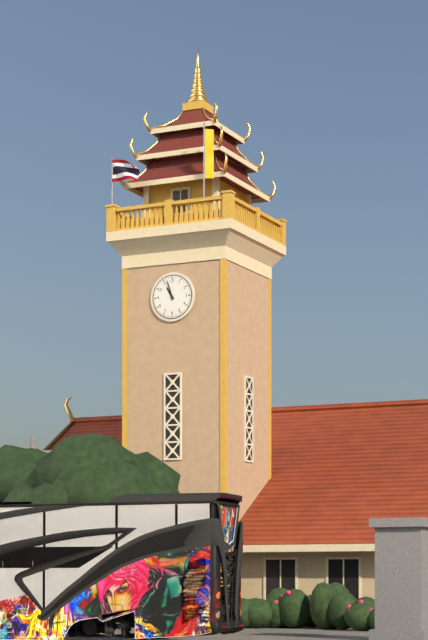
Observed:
{"hour": 10, "minute": 57}
